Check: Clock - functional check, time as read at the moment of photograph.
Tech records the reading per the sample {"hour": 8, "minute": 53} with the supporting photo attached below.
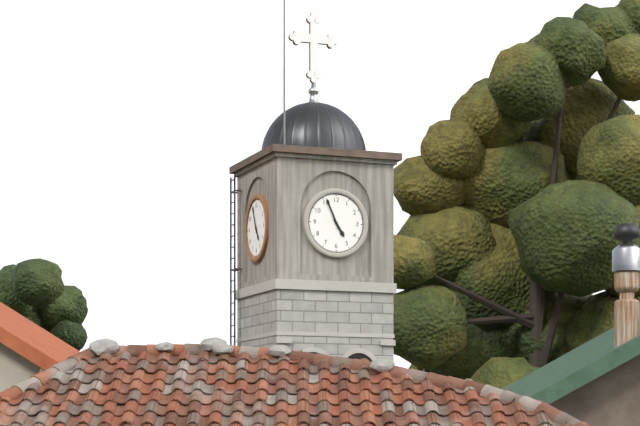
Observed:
{"hour": 4, "minute": 56}
